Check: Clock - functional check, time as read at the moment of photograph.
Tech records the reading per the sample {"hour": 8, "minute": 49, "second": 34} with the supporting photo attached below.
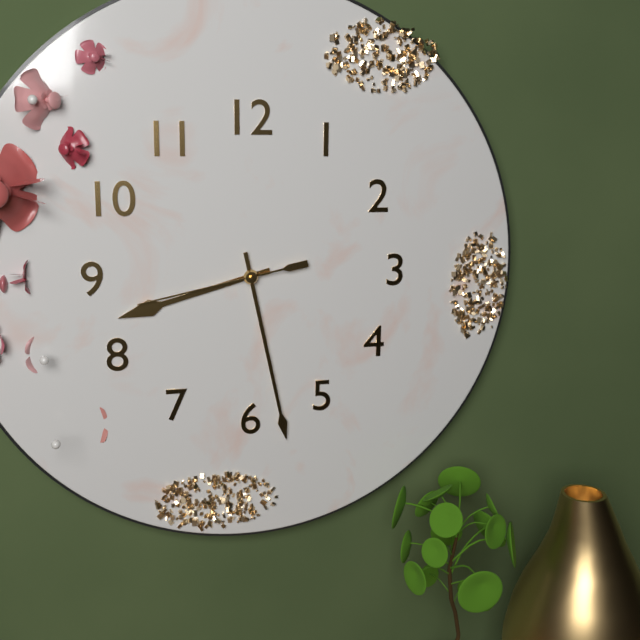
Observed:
{"hour": 8, "minute": 28, "second": 43}
